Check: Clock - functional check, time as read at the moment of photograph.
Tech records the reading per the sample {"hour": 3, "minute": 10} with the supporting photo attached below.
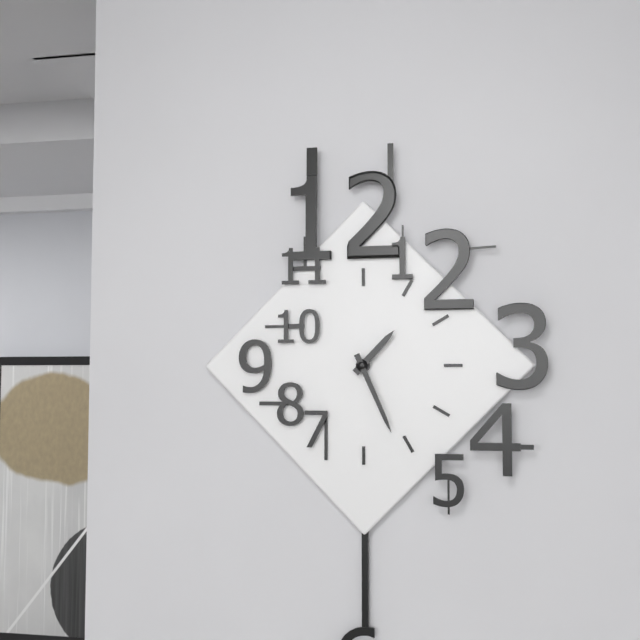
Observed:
{"hour": 1, "minute": 26}
